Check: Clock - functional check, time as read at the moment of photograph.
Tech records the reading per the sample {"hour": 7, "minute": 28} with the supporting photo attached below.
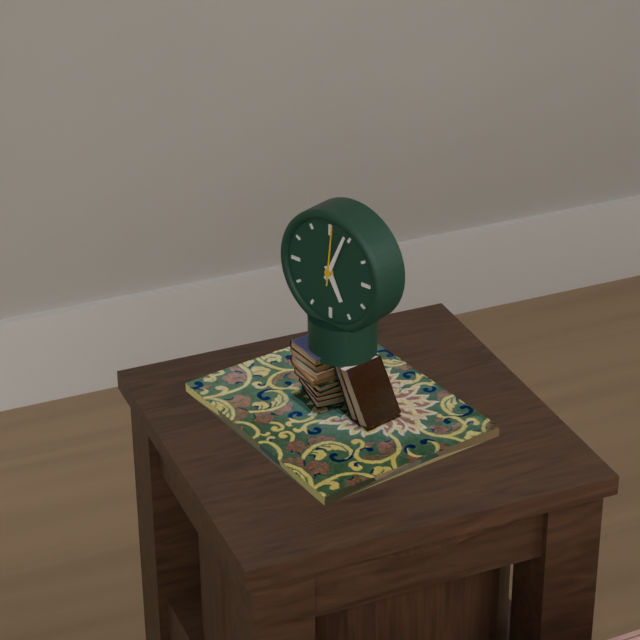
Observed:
{"hour": 5, "minute": 4}
